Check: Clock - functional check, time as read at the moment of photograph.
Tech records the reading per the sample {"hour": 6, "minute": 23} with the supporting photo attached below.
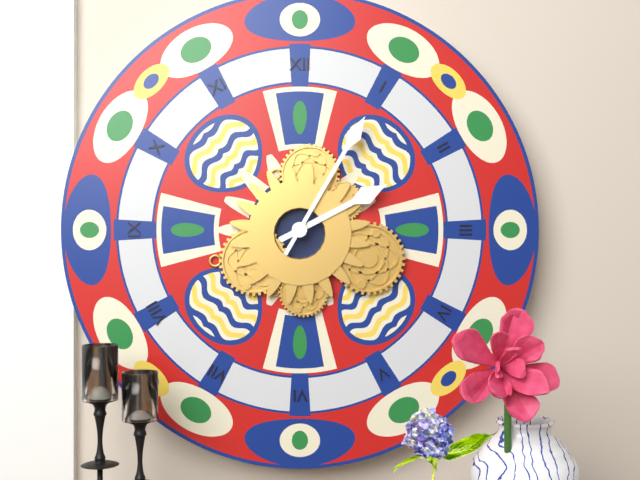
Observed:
{"hour": 2, "minute": 5}
